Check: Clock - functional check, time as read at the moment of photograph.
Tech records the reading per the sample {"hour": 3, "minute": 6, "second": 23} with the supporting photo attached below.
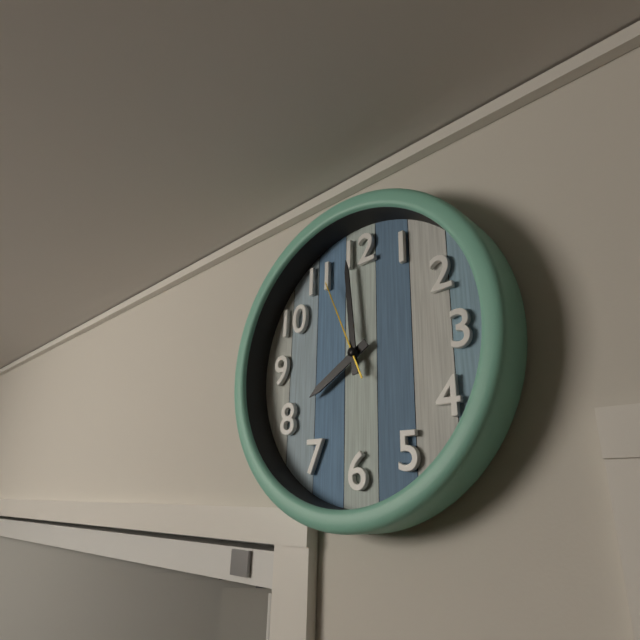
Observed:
{"hour": 7, "minute": 59, "second": 56}
